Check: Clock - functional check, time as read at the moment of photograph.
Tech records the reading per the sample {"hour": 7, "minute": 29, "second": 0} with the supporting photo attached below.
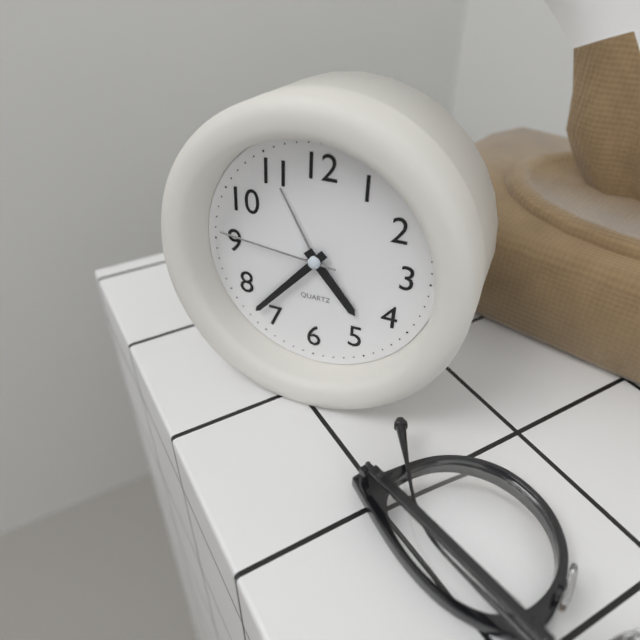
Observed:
{"hour": 4, "minute": 37, "second": 46}
